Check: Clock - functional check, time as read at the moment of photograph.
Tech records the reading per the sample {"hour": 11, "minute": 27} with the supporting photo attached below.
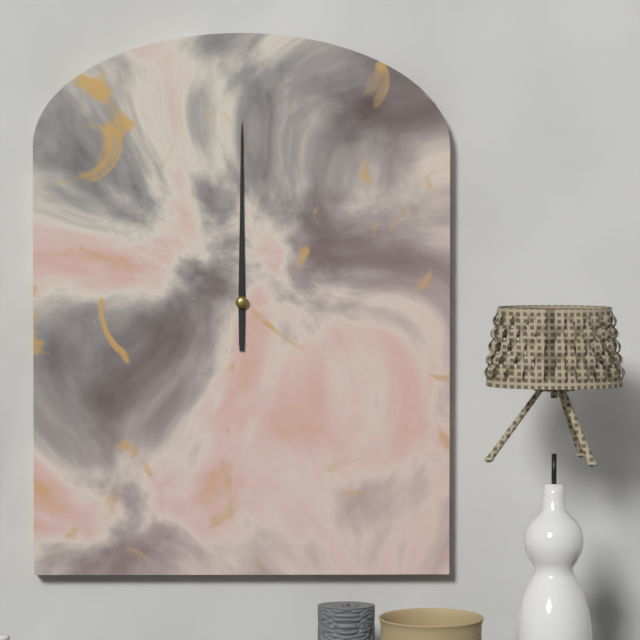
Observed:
{"hour": 12, "minute": 0}
